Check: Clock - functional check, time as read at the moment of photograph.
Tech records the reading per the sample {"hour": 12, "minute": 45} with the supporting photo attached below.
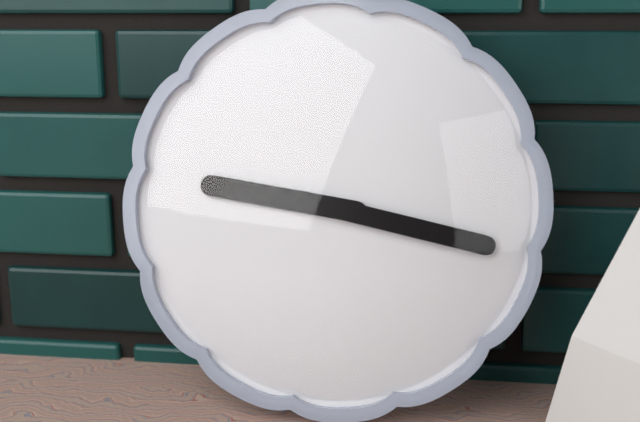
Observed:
{"hour": 9, "minute": 17}
